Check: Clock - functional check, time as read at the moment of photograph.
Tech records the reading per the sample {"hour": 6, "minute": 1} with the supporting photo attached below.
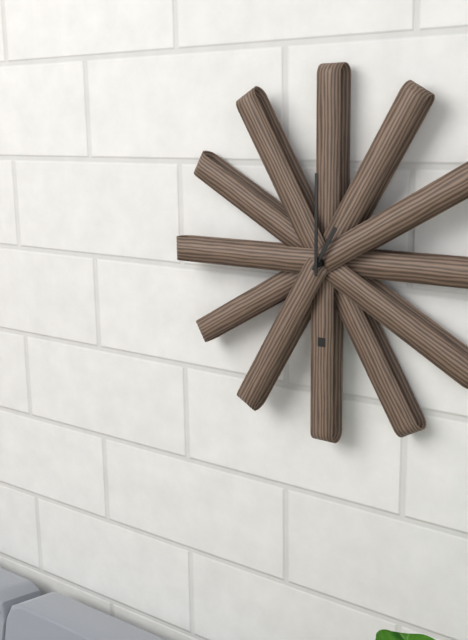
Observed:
{"hour": 1, "minute": 0}
